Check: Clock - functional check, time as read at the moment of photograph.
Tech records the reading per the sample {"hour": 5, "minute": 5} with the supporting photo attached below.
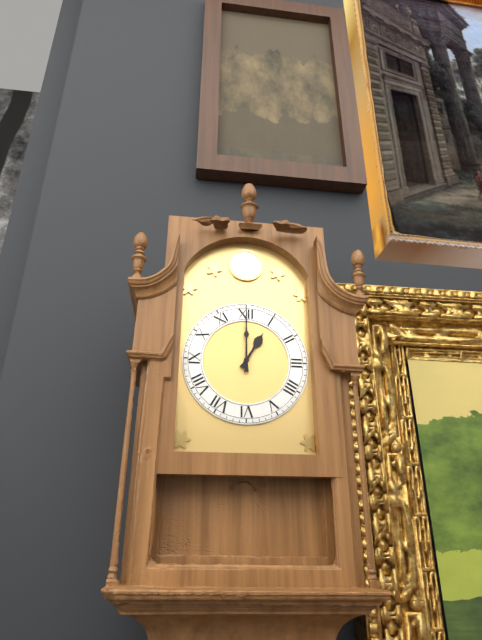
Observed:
{"hour": 1, "minute": 0}
